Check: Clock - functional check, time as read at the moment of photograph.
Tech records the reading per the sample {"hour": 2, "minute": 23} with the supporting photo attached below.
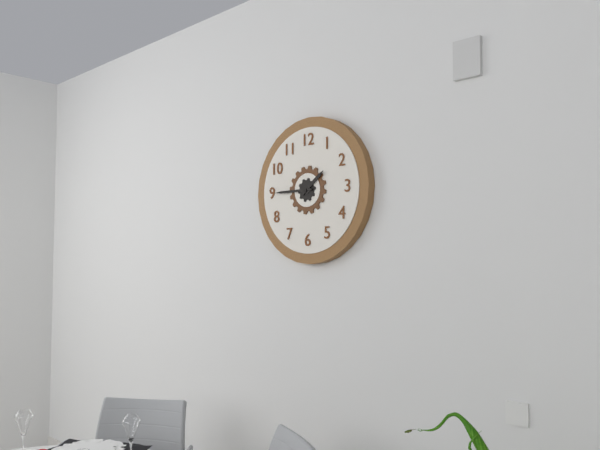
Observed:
{"hour": 1, "minute": 45}
